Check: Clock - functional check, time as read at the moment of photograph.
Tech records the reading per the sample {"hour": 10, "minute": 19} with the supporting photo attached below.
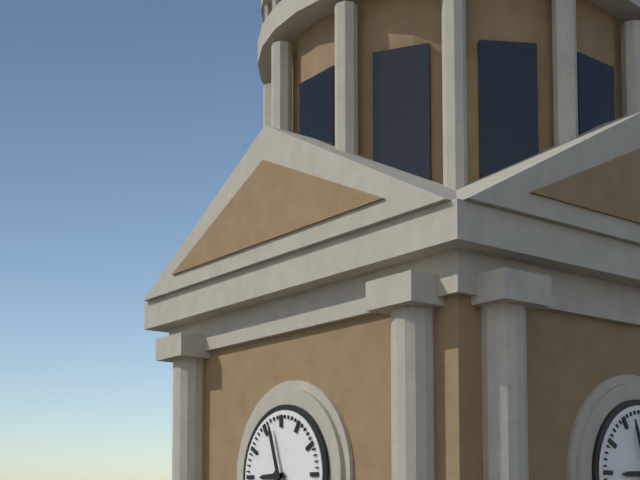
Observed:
{"hour": 8, "minute": 57}
